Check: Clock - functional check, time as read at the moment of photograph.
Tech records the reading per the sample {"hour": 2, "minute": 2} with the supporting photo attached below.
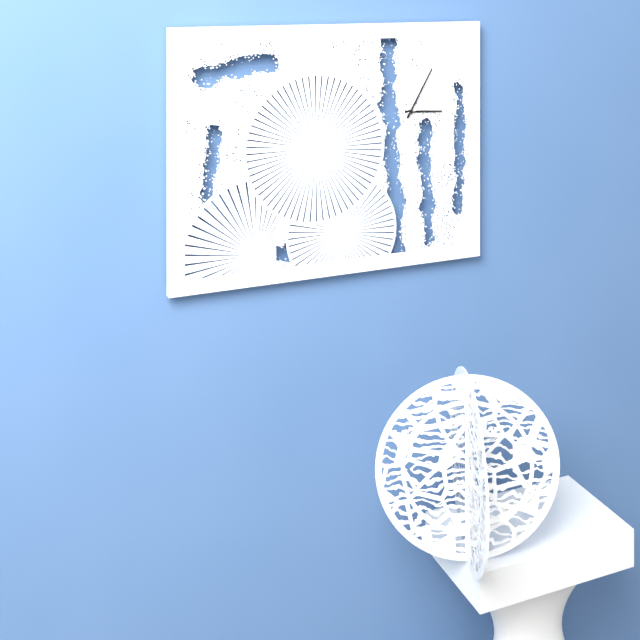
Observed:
{"hour": 3, "minute": 5}
